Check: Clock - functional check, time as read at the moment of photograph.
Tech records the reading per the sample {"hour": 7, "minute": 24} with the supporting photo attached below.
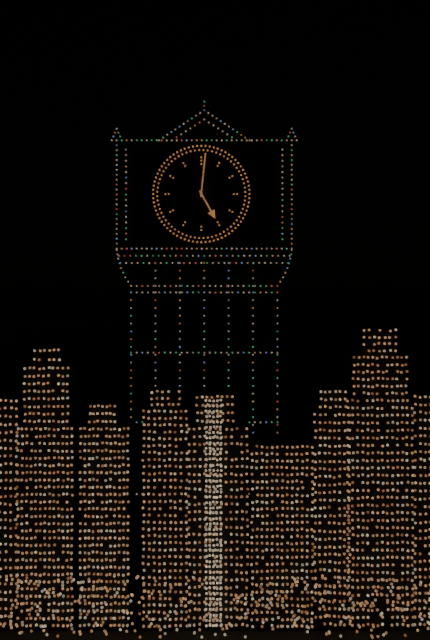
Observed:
{"hour": 5, "minute": 1}
